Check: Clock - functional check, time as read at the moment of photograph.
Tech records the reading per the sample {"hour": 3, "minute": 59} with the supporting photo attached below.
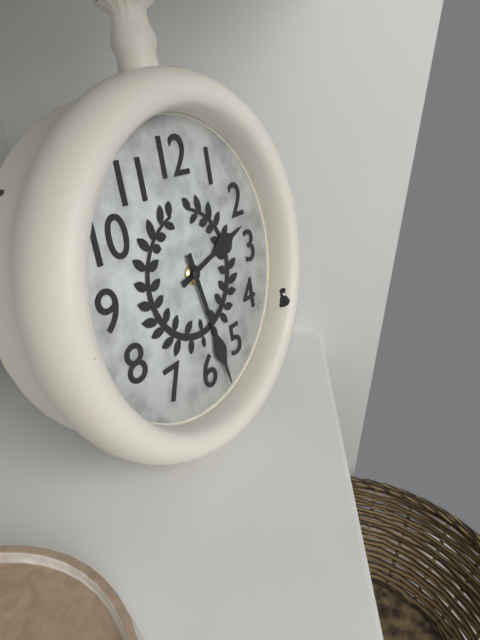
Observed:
{"hour": 2, "minute": 28}
